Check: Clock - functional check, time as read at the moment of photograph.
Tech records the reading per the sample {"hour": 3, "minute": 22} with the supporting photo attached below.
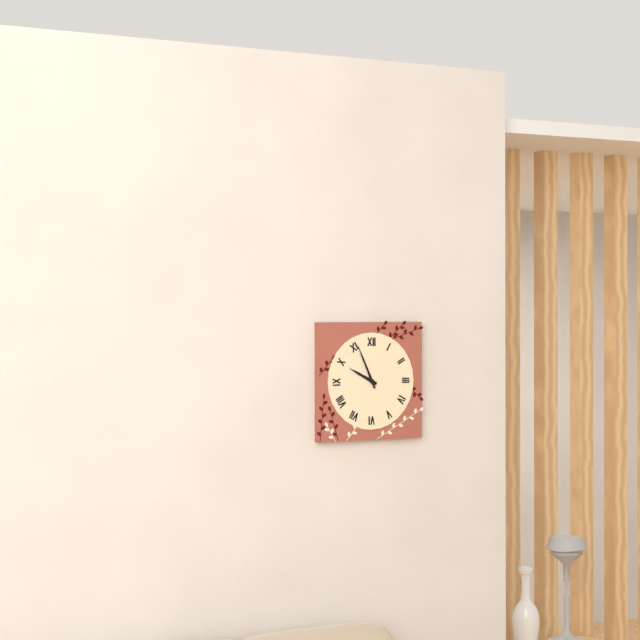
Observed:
{"hour": 9, "minute": 56}
